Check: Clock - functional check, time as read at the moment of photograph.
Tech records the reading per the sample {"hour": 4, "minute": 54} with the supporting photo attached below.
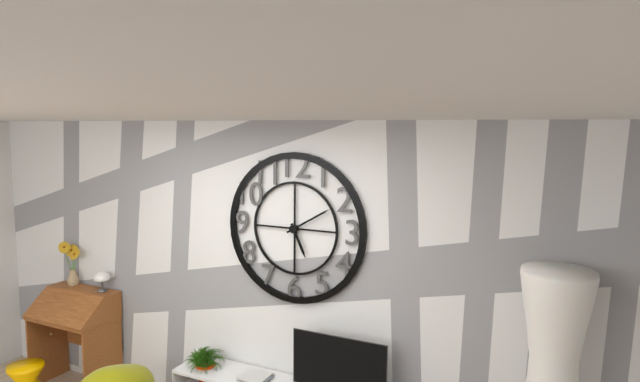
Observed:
{"hour": 5, "minute": 10}
